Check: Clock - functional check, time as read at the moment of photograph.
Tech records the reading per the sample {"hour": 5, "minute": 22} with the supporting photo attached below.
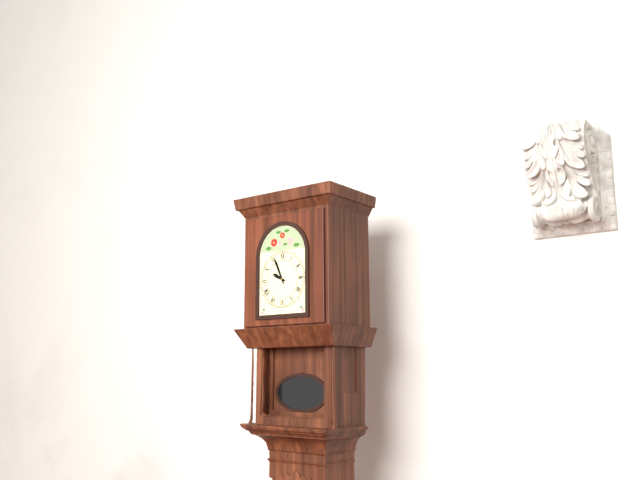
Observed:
{"hour": 9, "minute": 56}
